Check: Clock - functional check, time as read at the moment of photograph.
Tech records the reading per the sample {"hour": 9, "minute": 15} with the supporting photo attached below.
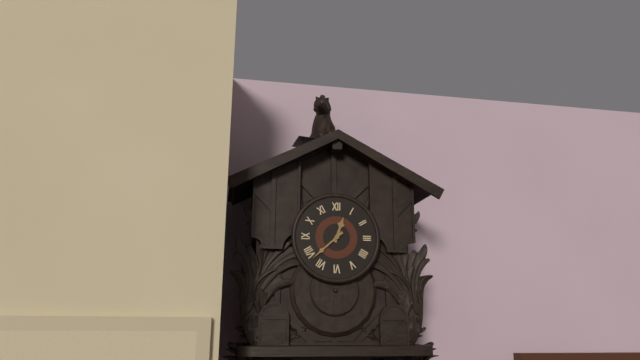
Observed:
{"hour": 12, "minute": 38}
